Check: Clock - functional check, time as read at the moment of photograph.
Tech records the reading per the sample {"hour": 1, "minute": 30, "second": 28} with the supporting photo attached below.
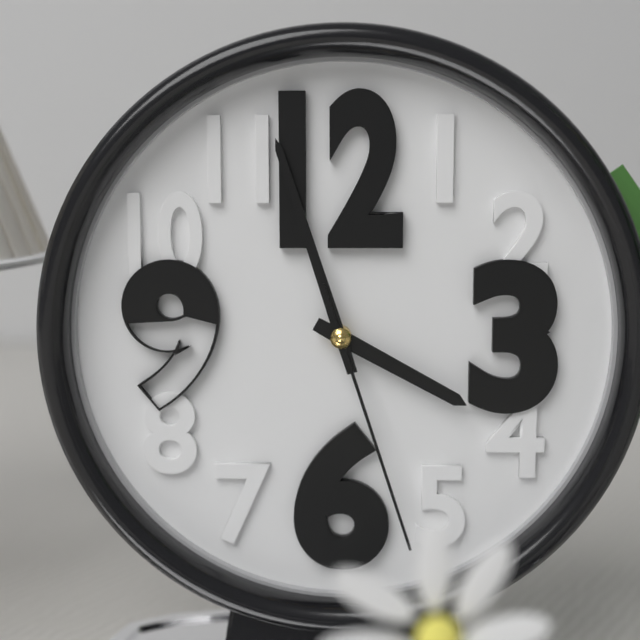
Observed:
{"hour": 3, "minute": 57, "second": 27}
